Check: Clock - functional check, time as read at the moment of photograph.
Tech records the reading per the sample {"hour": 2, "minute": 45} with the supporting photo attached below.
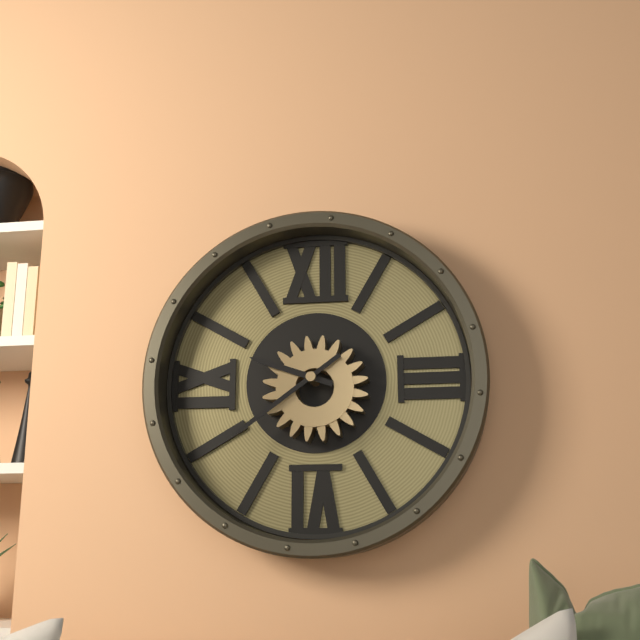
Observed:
{"hour": 9, "minute": 39}
